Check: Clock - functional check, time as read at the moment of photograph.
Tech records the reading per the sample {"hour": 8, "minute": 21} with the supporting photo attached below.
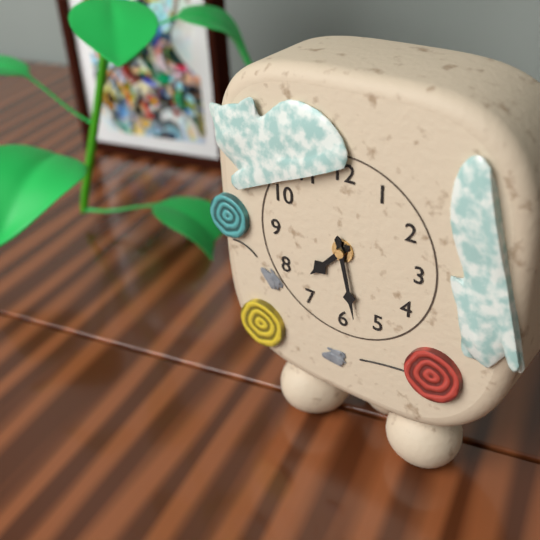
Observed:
{"hour": 7, "minute": 28}
